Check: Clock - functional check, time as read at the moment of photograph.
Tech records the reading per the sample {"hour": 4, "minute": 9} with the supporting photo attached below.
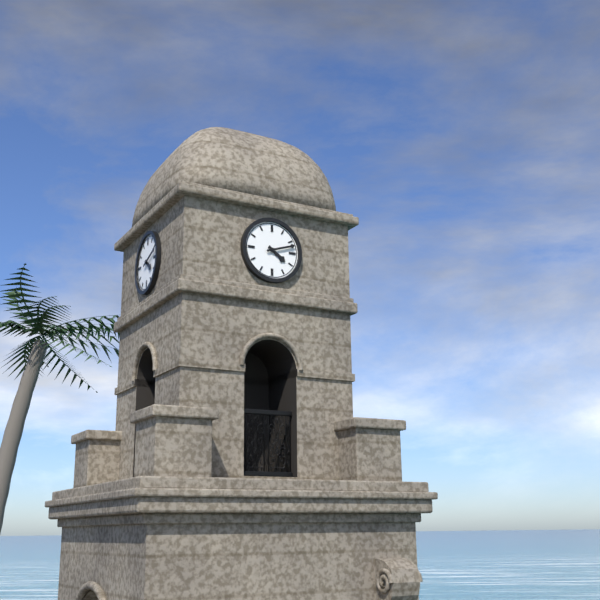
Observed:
{"hour": 4, "minute": 12}
